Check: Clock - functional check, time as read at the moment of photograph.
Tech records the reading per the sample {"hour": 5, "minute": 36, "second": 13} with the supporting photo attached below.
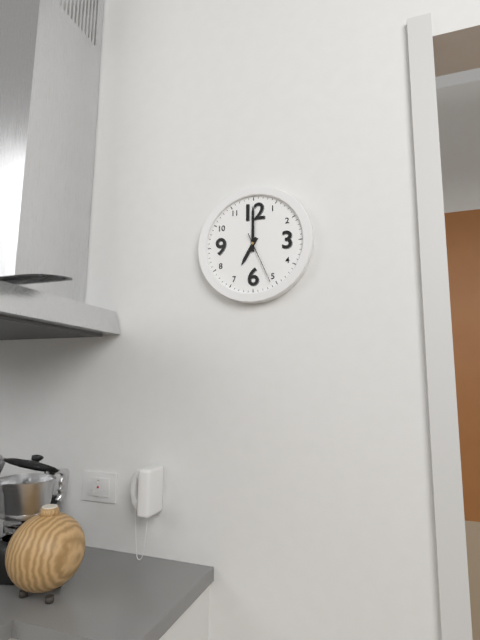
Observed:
{"hour": 7, "minute": 0, "second": 26}
